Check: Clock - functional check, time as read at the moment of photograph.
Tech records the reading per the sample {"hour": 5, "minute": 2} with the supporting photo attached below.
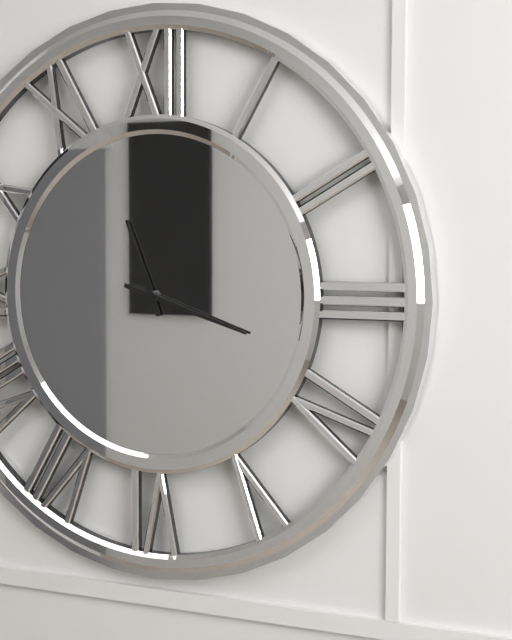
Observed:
{"hour": 11, "minute": 18}
